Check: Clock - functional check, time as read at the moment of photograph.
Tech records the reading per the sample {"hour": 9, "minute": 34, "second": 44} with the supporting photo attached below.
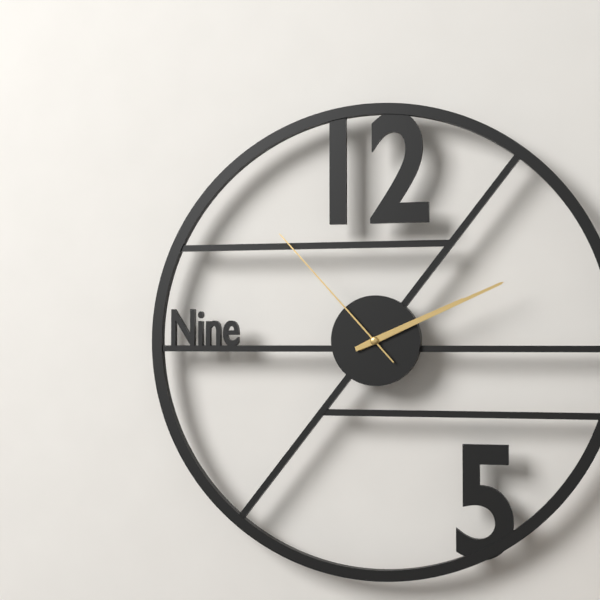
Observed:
{"hour": 2, "minute": 11, "second": 53}
